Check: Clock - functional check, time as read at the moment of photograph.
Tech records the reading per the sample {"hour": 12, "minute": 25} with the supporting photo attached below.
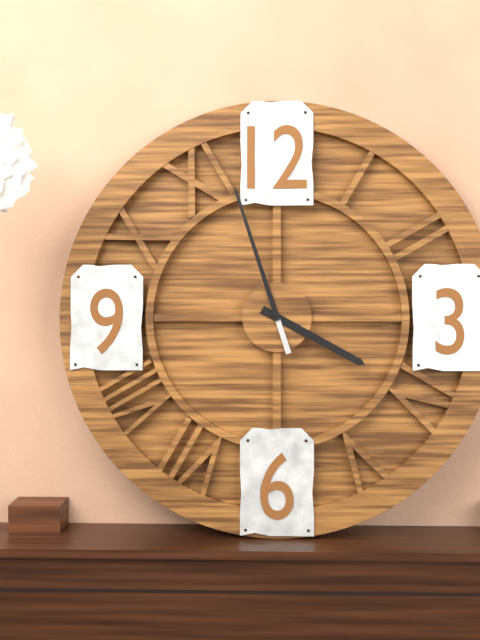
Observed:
{"hour": 3, "minute": 57}
